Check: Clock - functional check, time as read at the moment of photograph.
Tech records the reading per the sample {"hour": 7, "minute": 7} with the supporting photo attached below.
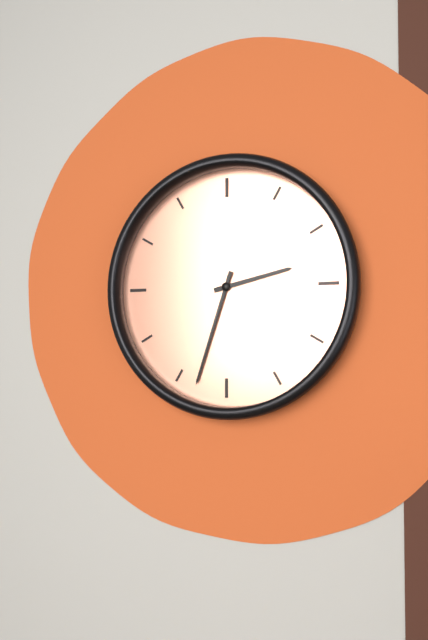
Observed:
{"hour": 2, "minute": 33}
